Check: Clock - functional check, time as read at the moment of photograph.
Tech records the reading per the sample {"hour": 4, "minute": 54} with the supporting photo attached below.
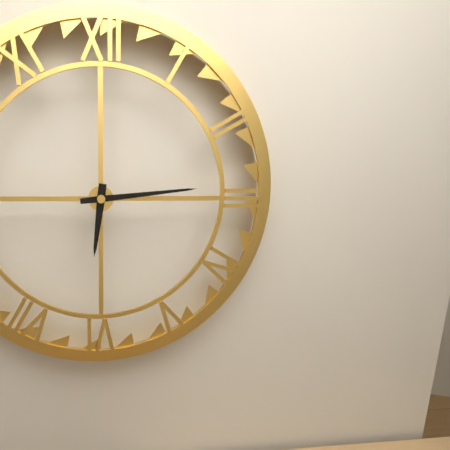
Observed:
{"hour": 6, "minute": 14}
